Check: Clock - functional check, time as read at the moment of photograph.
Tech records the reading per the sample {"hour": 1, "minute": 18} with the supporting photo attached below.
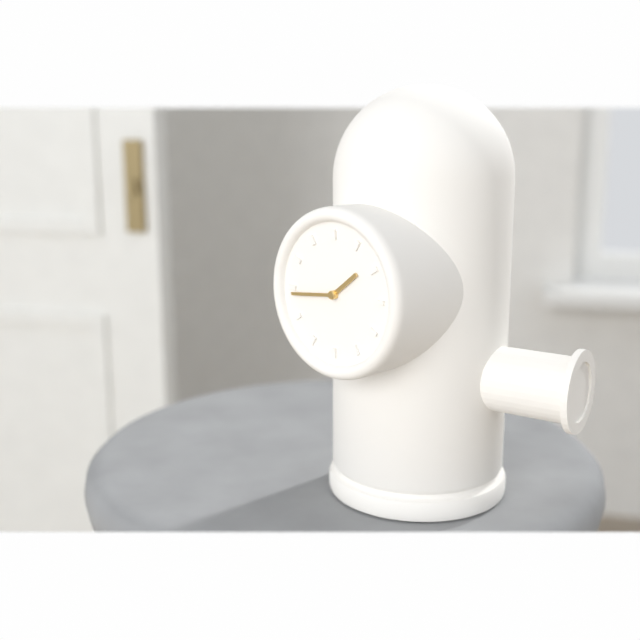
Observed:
{"hour": 1, "minute": 44}
